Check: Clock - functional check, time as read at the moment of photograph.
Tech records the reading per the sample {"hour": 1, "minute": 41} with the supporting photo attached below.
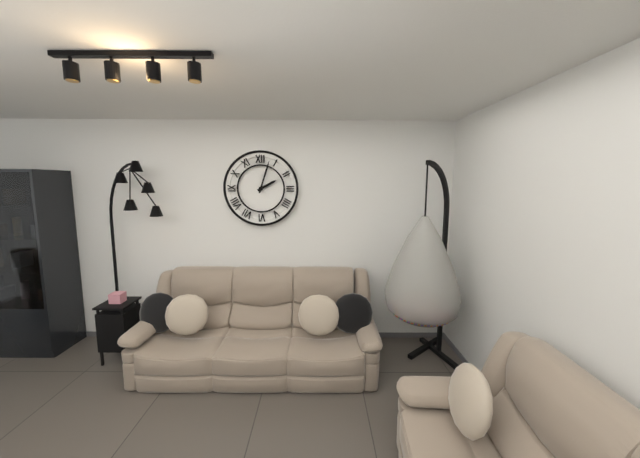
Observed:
{"hour": 2, "minute": 3}
